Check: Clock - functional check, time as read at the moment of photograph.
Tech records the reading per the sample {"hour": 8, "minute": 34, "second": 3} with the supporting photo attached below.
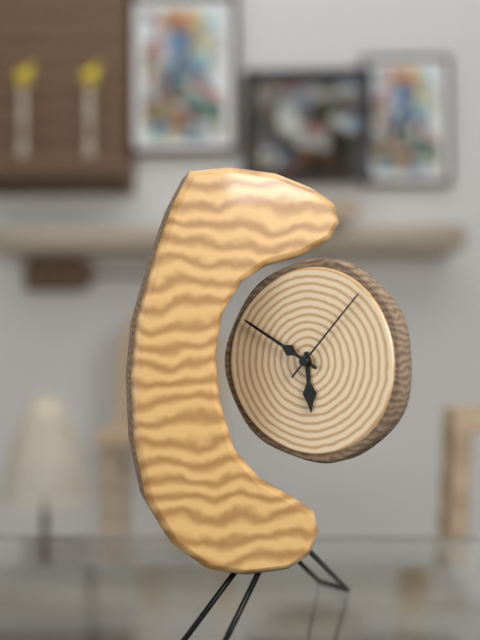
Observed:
{"hour": 5, "minute": 50, "second": 7}
